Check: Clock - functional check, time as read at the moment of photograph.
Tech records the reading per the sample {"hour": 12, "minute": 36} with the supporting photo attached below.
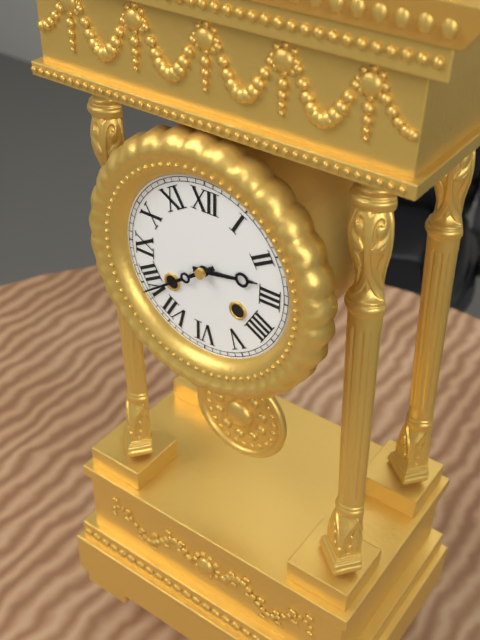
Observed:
{"hour": 2, "minute": 39}
